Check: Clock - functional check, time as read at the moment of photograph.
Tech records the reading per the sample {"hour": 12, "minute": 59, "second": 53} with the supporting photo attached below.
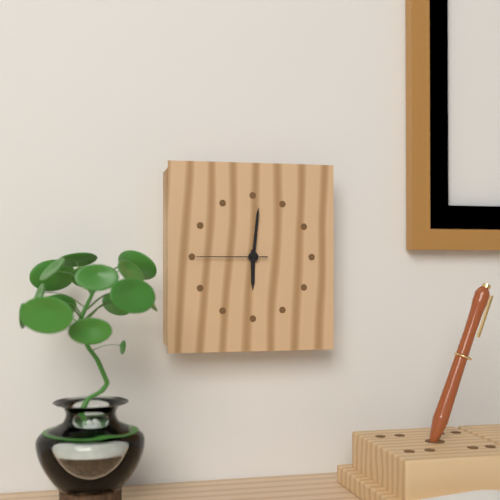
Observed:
{"hour": 6, "minute": 1, "second": 45}
